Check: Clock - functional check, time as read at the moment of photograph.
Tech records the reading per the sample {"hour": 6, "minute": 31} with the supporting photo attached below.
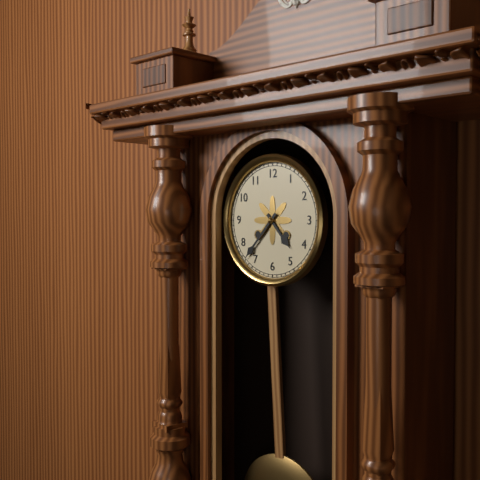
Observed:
{"hour": 4, "minute": 37}
